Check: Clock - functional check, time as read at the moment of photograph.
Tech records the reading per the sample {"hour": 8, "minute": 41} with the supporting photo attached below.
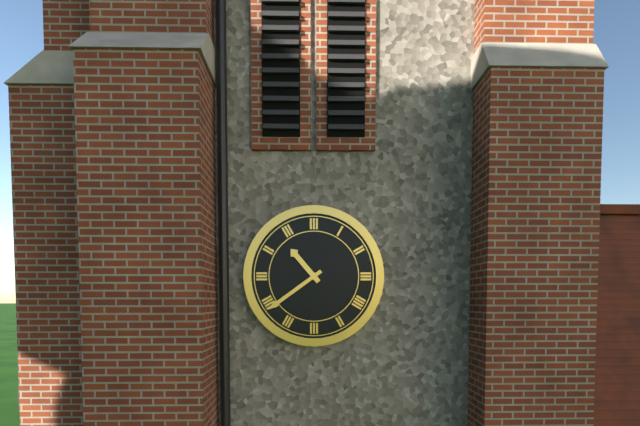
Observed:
{"hour": 10, "minute": 39}
